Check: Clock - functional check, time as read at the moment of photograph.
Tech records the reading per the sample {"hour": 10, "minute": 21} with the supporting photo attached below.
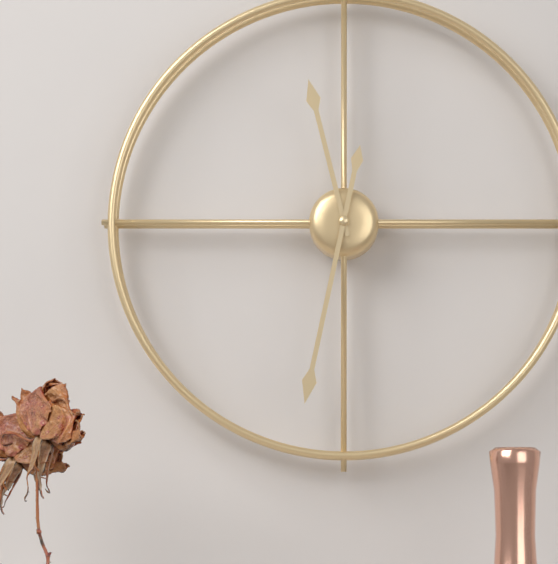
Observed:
{"hour": 11, "minute": 32}
